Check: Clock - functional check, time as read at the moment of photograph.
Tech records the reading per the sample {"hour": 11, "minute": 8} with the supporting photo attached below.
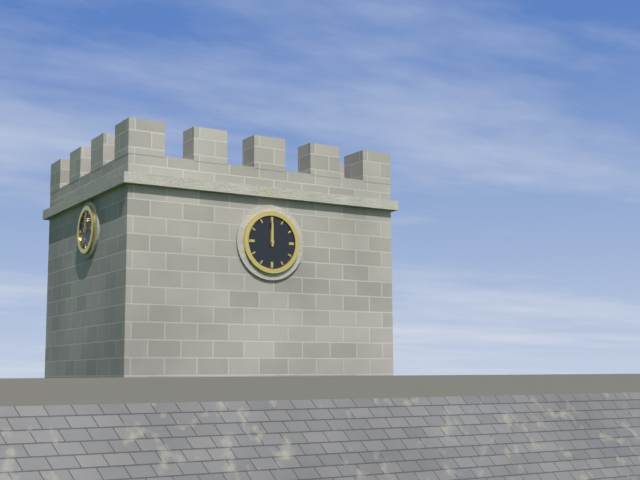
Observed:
{"hour": 12, "minute": 0}
